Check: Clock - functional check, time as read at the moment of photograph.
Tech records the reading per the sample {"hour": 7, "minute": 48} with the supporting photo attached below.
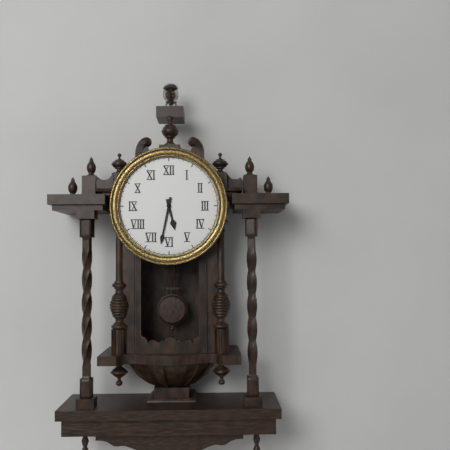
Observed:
{"hour": 5, "minute": 32}
